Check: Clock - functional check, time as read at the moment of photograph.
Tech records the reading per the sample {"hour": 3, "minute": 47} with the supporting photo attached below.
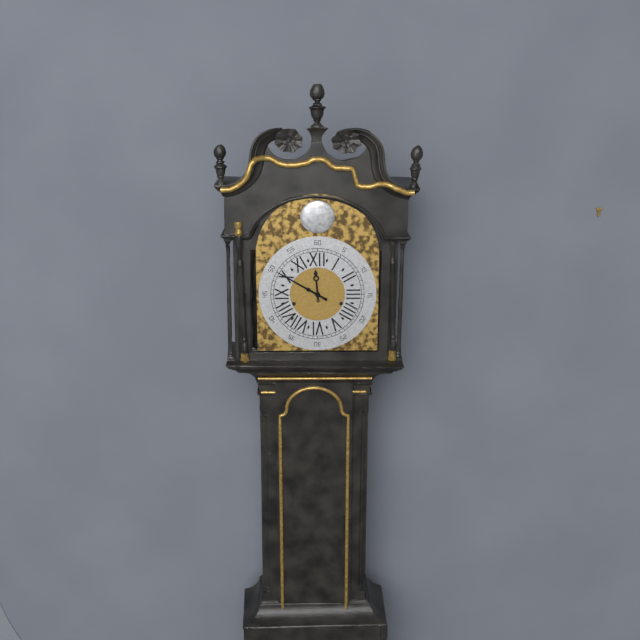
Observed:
{"hour": 11, "minute": 50}
